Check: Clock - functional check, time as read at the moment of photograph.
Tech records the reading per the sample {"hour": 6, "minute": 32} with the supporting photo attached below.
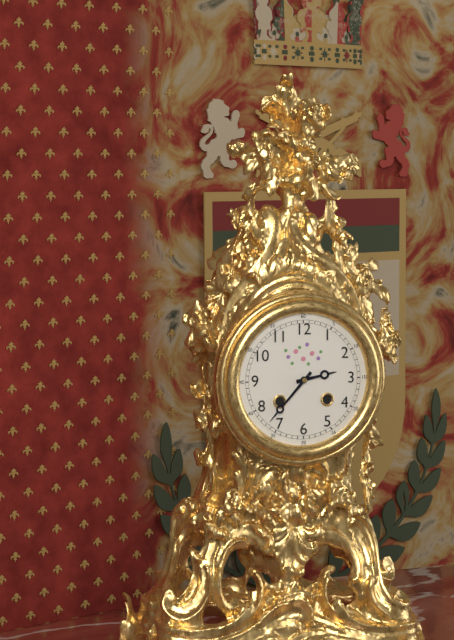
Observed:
{"hour": 2, "minute": 37}
